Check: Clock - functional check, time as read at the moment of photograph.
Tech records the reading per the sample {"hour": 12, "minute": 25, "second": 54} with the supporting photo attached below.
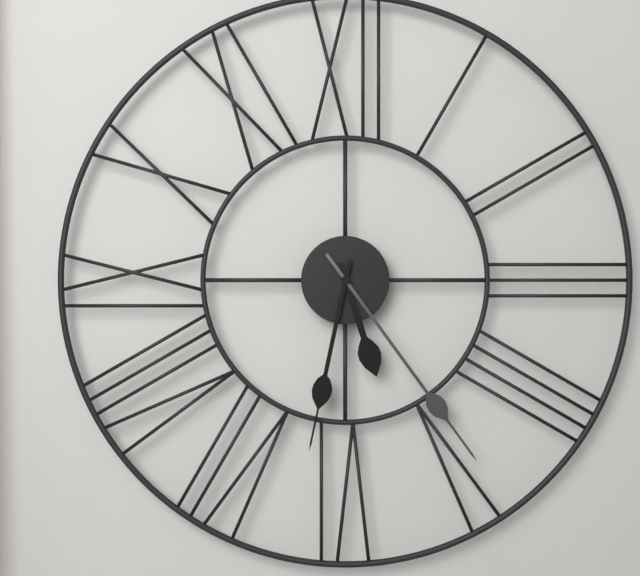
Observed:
{"hour": 5, "minute": 24, "second": 32}
